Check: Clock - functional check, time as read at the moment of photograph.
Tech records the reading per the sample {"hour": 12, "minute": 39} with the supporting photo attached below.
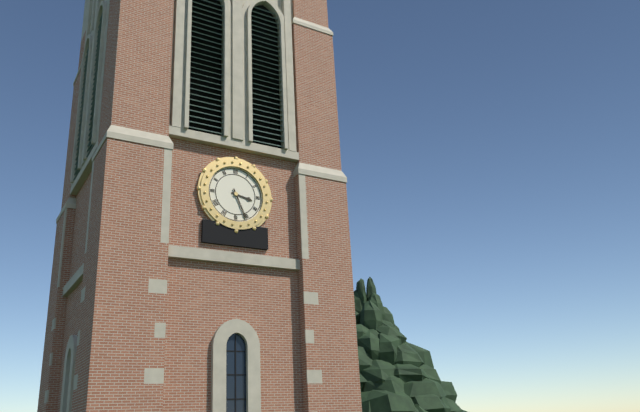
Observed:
{"hour": 3, "minute": 26}
